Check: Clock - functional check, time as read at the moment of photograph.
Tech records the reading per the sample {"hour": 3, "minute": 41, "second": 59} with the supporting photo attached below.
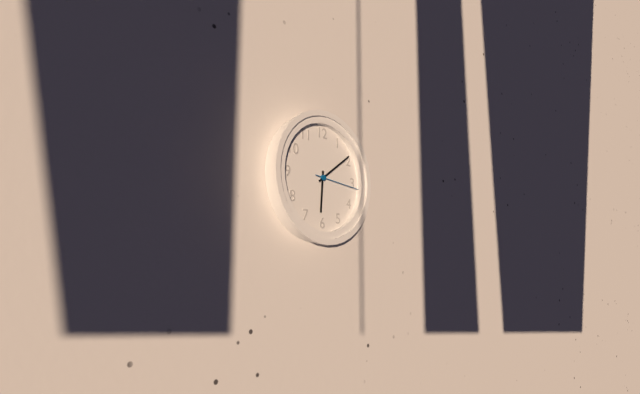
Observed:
{"hour": 6, "minute": 9, "second": 16}
